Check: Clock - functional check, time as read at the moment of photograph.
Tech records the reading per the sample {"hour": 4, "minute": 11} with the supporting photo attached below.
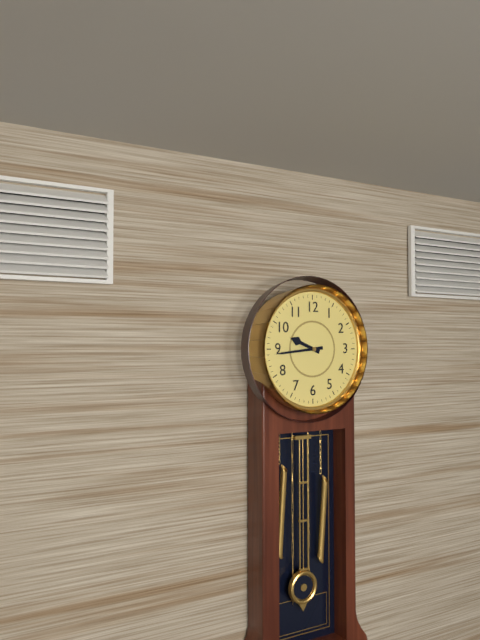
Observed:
{"hour": 9, "minute": 44}
